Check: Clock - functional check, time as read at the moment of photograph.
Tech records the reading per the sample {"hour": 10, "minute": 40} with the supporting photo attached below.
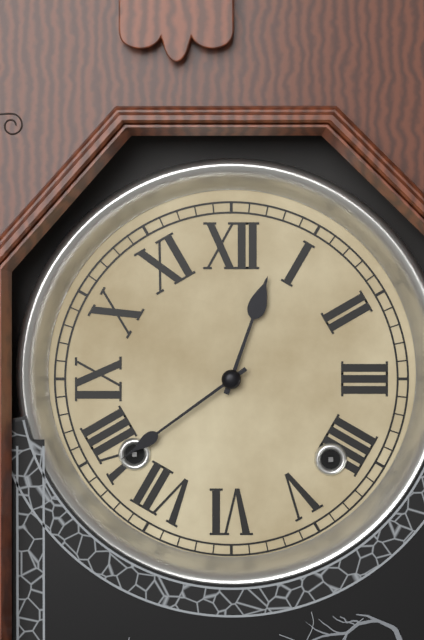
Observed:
{"hour": 12, "minute": 39}
